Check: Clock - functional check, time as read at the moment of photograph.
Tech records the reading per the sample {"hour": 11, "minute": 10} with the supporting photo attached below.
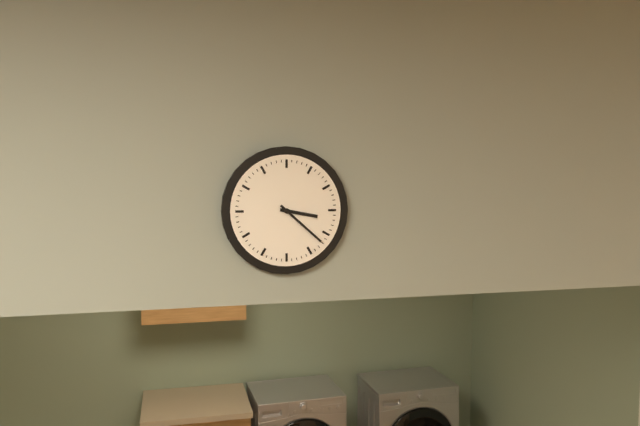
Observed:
{"hour": 3, "minute": 22}
